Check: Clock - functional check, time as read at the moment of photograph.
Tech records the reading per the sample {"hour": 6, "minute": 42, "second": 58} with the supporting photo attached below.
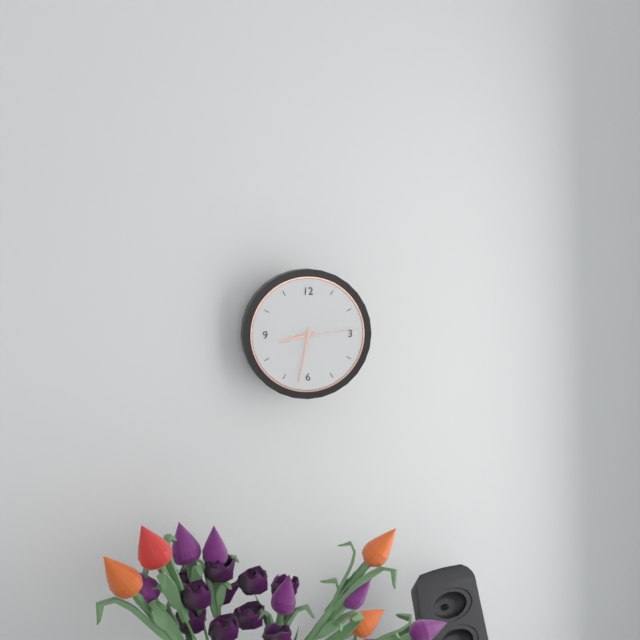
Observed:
{"hour": 8, "minute": 32, "second": 14}
